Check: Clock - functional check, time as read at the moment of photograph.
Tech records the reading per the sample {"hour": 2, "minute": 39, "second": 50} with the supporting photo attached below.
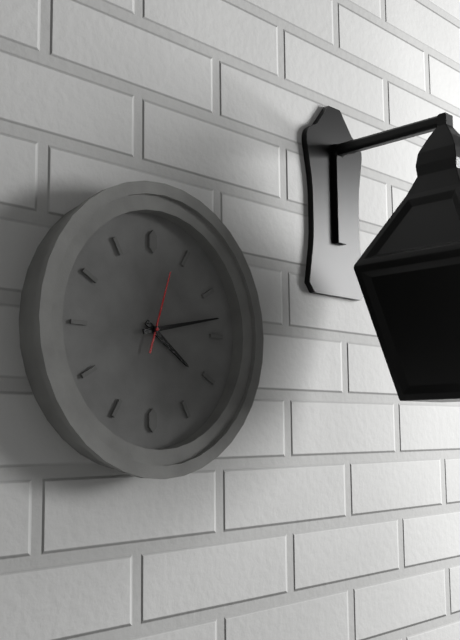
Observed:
{"hour": 4, "minute": 13, "second": 3}
